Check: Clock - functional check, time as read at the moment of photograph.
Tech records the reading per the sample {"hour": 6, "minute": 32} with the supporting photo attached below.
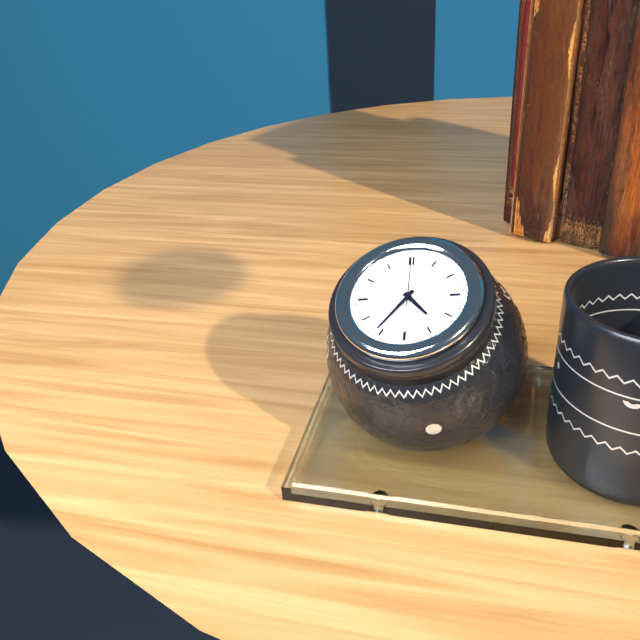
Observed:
{"hour": 4, "minute": 36}
